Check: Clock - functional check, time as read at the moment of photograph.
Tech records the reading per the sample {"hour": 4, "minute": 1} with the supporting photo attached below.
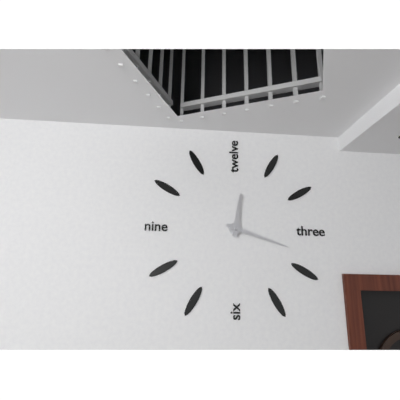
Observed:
{"hour": 12, "minute": 18}
